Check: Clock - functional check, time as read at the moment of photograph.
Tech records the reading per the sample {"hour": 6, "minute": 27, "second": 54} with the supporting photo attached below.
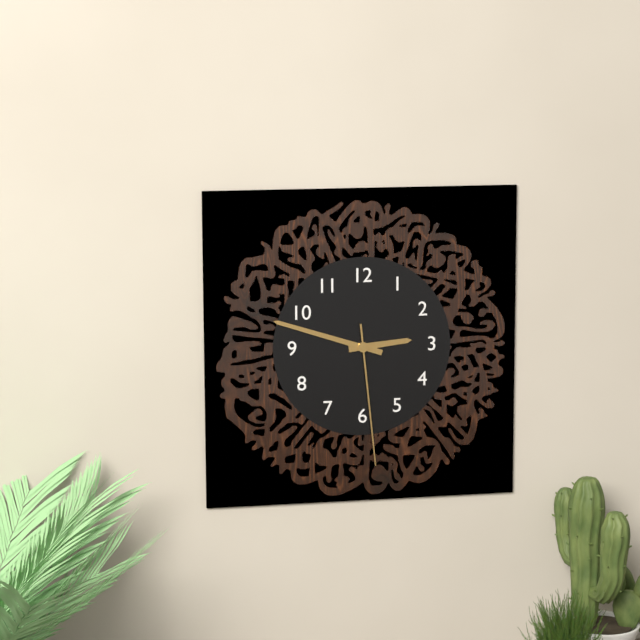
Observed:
{"hour": 2, "minute": 48, "second": 29}
